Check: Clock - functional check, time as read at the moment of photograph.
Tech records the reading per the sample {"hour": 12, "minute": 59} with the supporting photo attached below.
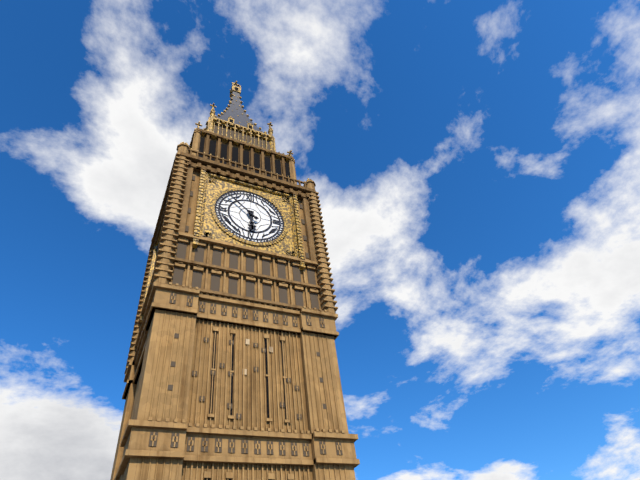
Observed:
{"hour": 5, "minute": 52}
